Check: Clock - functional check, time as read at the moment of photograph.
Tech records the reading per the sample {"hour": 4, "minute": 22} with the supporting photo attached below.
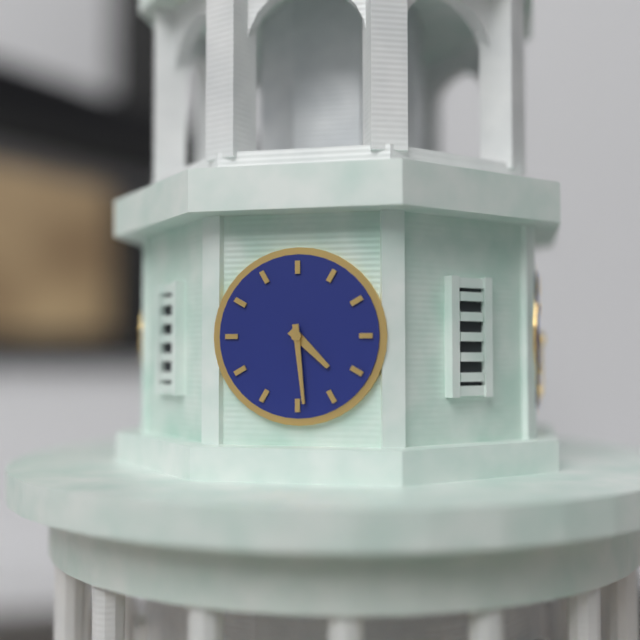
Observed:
{"hour": 4, "minute": 29}
